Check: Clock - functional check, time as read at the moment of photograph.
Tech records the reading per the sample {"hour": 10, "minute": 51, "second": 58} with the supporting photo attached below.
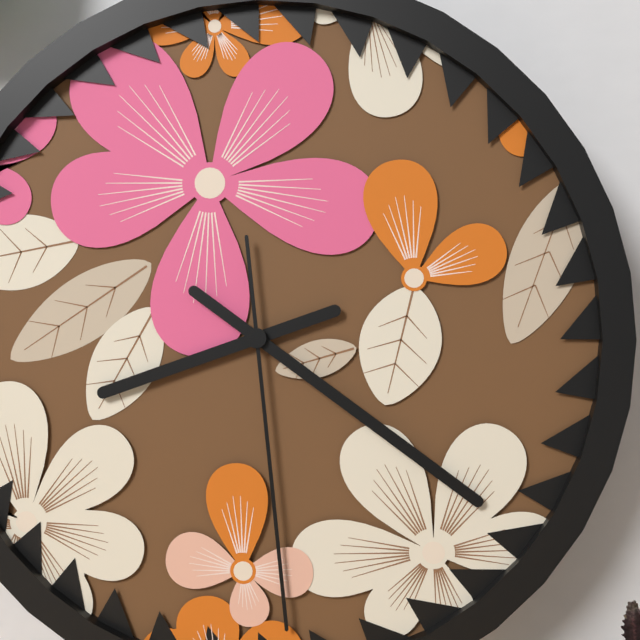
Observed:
{"hour": 8, "minute": 21, "second": 29}
